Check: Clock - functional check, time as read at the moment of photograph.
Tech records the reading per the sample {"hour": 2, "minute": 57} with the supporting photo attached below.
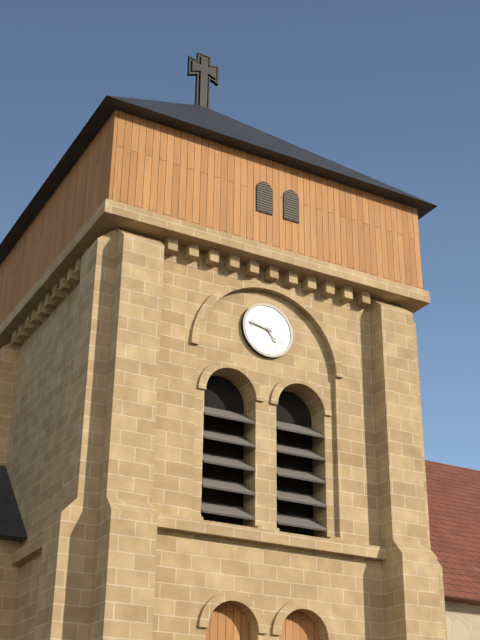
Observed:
{"hour": 4, "minute": 47}
